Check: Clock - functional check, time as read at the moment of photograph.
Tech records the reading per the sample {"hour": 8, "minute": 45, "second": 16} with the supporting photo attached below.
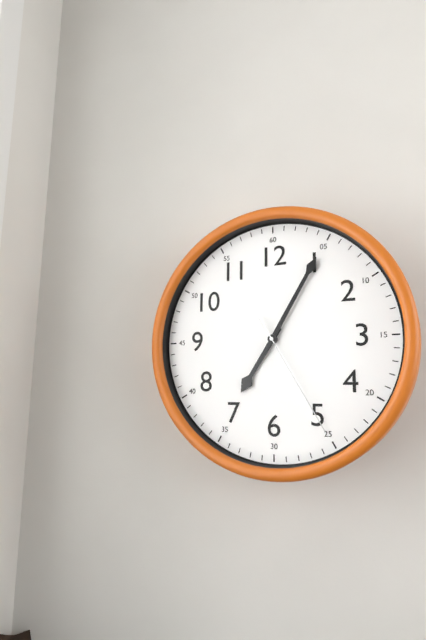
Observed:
{"hour": 7, "minute": 5, "second": 25}
